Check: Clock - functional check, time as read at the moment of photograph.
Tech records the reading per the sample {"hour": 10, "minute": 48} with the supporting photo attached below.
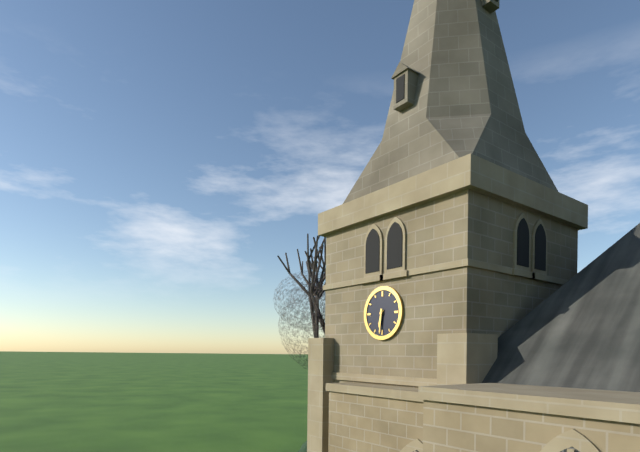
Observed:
{"hour": 6, "minute": 31}
